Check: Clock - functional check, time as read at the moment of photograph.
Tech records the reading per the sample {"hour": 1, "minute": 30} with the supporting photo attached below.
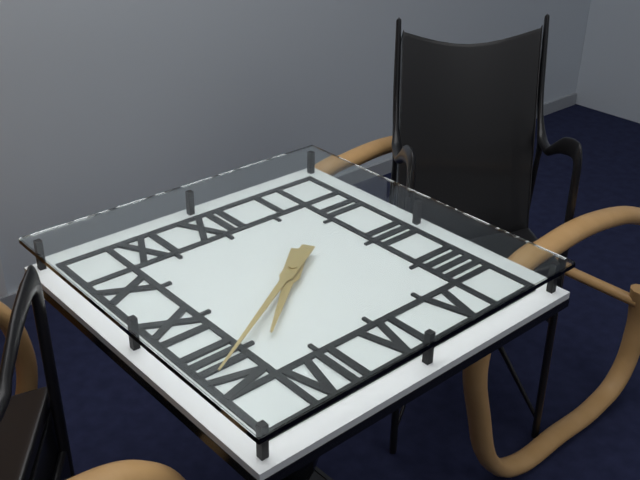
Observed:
{"hour": 7, "minute": 40}
